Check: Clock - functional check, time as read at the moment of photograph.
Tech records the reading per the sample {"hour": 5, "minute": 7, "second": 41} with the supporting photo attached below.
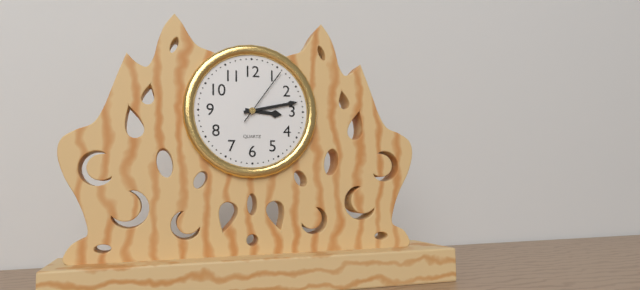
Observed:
{"hour": 3, "minute": 13, "second": 6}
